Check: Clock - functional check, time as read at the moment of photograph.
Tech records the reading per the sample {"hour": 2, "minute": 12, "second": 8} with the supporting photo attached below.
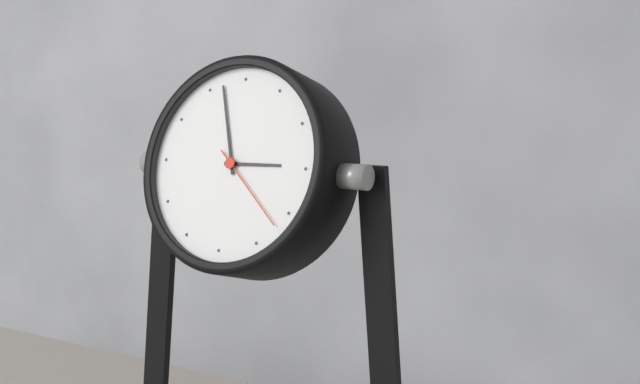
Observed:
{"hour": 2, "minute": 57, "second": 22}
